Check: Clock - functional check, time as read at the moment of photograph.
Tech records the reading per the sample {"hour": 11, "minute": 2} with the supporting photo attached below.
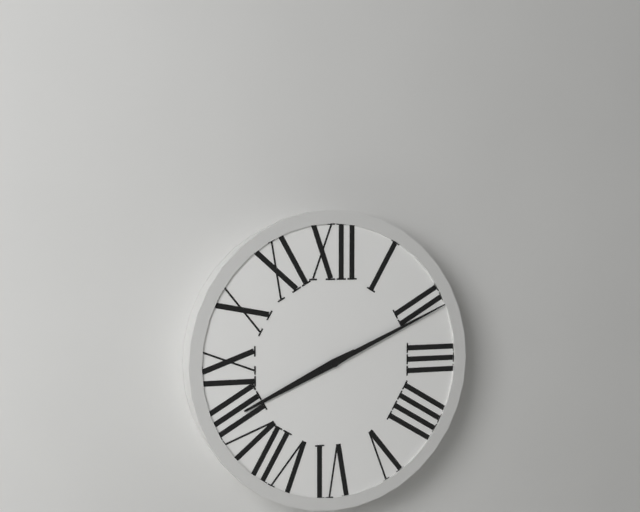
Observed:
{"hour": 8, "minute": 11}
